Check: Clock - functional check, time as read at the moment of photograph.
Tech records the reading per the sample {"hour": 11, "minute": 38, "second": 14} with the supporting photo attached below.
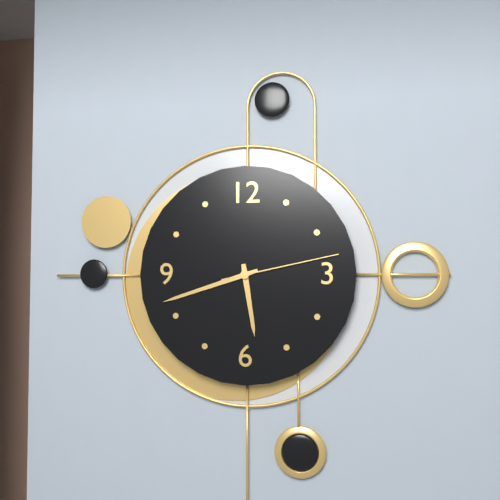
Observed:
{"hour": 5, "minute": 42, "second": 13}
